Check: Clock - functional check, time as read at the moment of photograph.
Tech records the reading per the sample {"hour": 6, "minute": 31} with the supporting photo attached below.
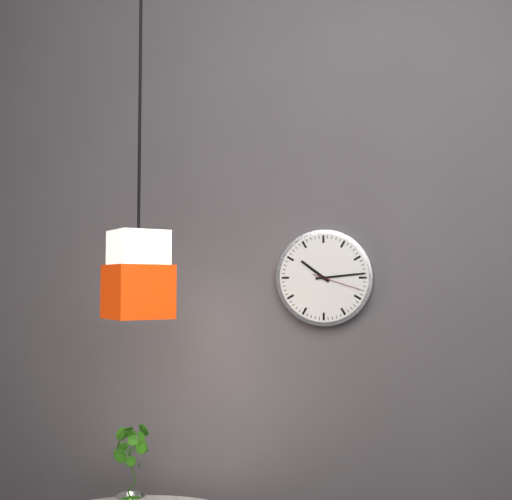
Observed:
{"hour": 10, "minute": 14}
